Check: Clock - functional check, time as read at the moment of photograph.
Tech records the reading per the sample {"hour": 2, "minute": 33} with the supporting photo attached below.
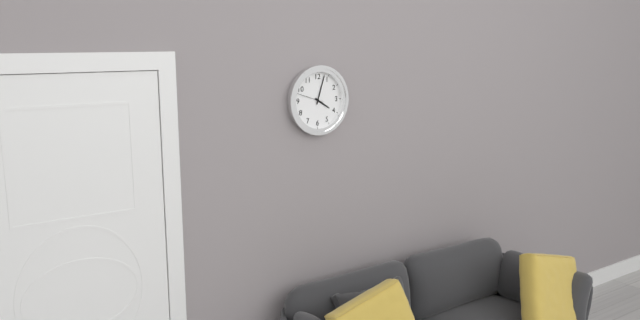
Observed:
{"hour": 4, "minute": 3}
